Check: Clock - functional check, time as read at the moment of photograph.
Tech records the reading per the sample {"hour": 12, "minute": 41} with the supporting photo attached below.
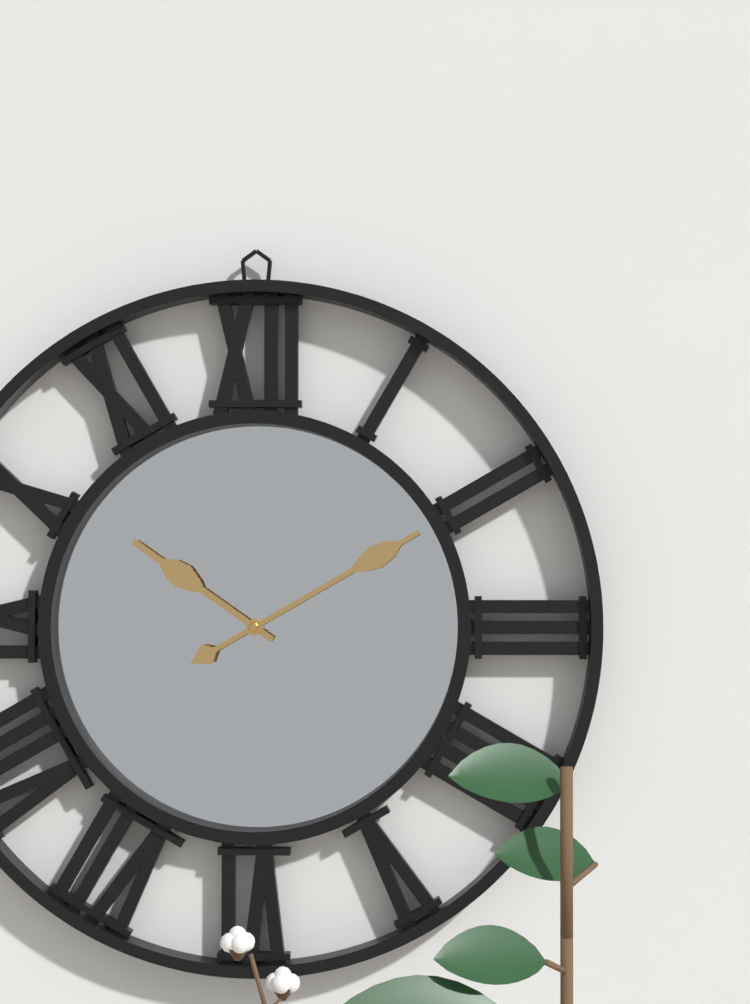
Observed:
{"hour": 10, "minute": 10}
